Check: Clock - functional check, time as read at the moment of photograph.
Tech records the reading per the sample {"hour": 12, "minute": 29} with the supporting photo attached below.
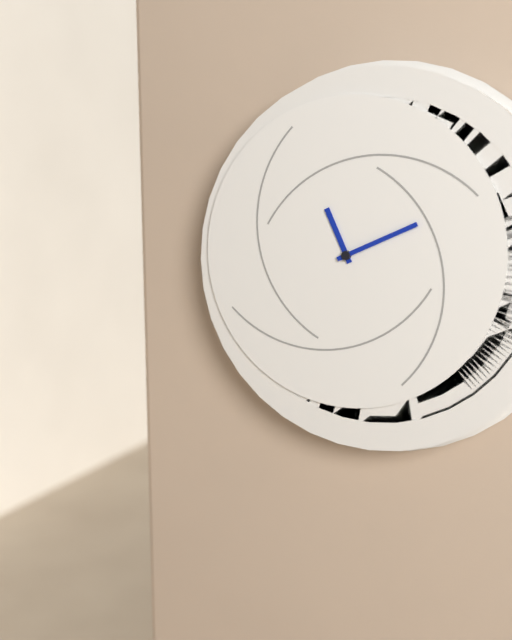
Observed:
{"hour": 11, "minute": 11}
